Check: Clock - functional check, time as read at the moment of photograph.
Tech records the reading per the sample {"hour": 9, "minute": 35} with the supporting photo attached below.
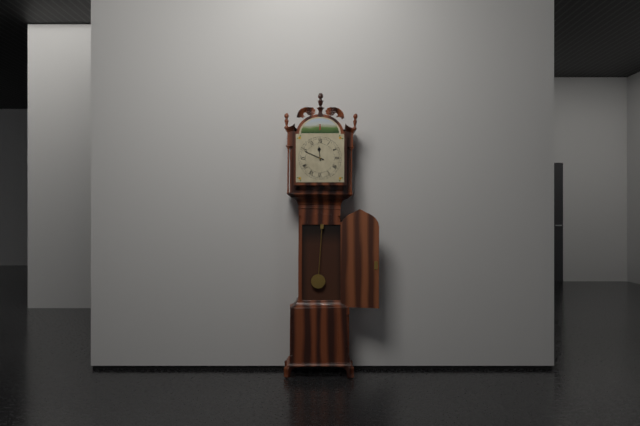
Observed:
{"hour": 11, "minute": 49}
